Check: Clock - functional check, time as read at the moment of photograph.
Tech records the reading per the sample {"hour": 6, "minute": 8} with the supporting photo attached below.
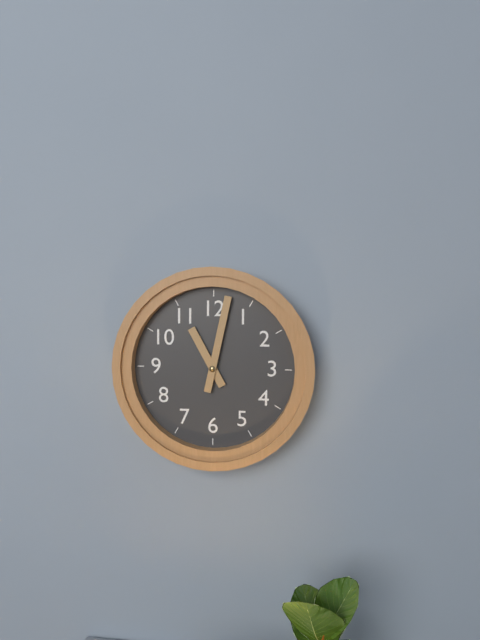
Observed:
{"hour": 11, "minute": 2}
